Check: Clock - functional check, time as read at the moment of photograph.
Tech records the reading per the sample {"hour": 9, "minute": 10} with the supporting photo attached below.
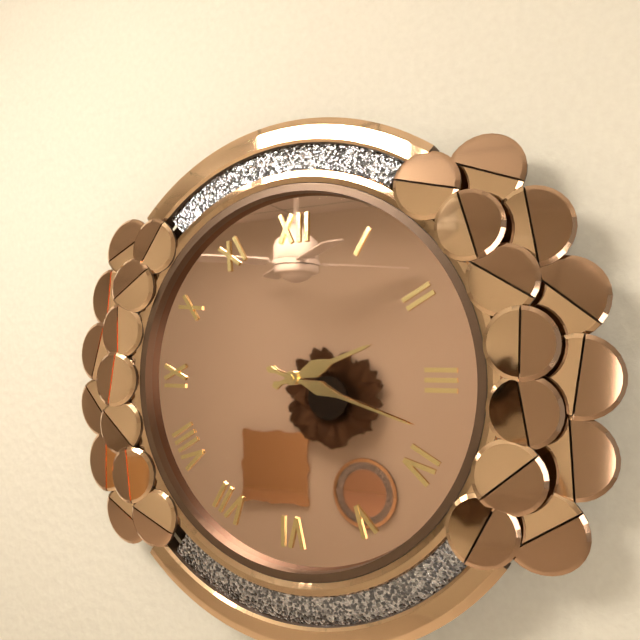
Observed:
{"hour": 2, "minute": 18}
